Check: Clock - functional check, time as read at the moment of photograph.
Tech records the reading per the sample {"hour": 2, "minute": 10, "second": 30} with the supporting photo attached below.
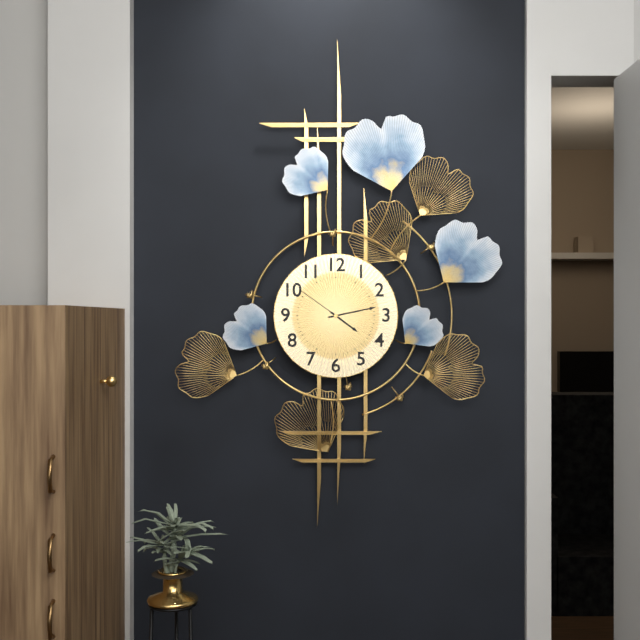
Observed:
{"hour": 4, "minute": 13, "second": 51}
